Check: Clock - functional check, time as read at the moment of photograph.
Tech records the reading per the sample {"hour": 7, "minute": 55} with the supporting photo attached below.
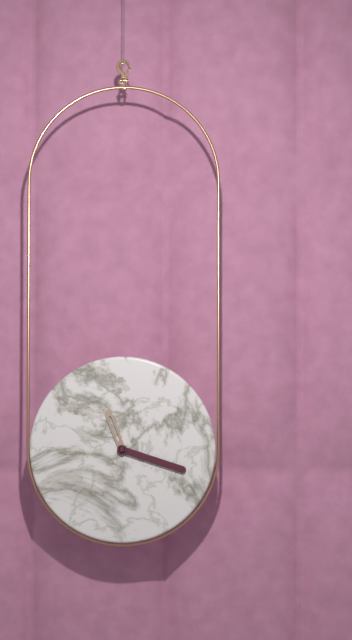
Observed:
{"hour": 11, "minute": 18}
